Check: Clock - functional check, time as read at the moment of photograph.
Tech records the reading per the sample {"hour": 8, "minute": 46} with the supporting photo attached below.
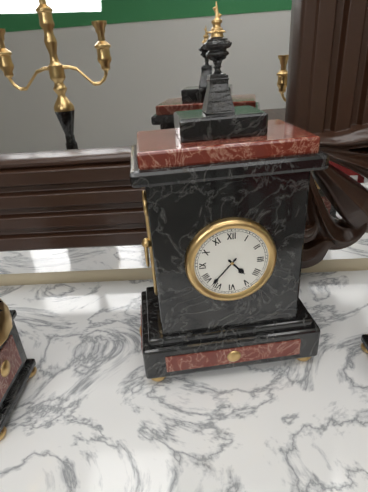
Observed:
{"hour": 4, "minute": 37}
